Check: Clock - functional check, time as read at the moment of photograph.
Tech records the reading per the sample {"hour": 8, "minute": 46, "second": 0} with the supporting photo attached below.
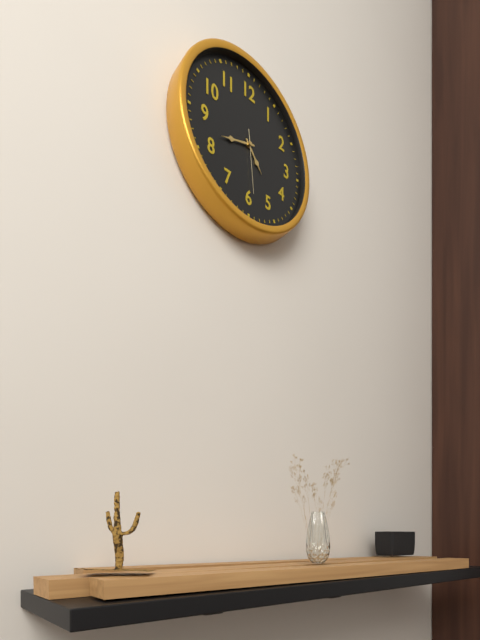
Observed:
{"hour": 4, "minute": 42, "second": 29}
